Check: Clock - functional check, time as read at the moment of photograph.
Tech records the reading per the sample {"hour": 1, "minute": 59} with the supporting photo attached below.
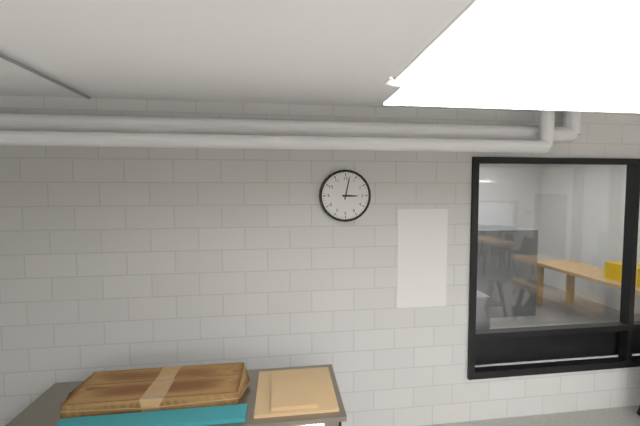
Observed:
{"hour": 3, "minute": 2}
